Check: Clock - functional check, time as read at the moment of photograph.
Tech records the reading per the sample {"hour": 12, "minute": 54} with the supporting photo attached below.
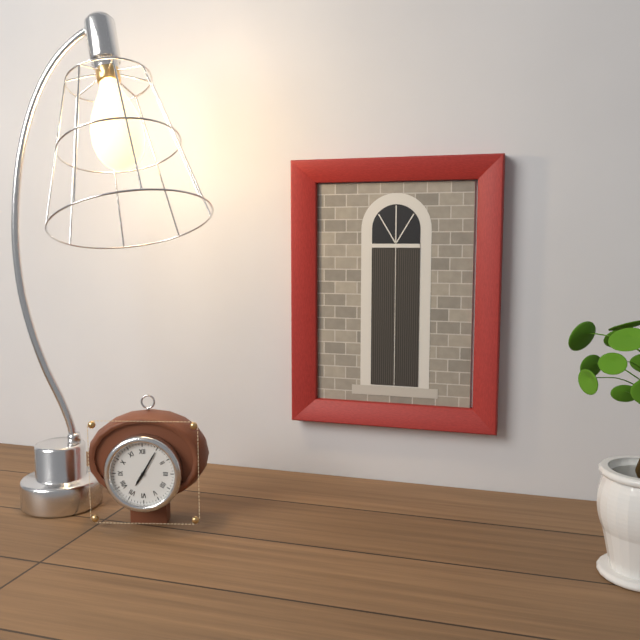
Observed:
{"hour": 7, "minute": 5}
